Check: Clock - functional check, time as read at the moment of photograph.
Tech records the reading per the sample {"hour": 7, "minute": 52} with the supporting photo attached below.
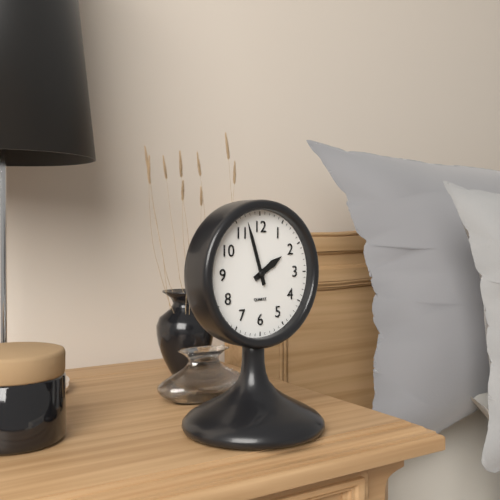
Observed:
{"hour": 1, "minute": 57}
